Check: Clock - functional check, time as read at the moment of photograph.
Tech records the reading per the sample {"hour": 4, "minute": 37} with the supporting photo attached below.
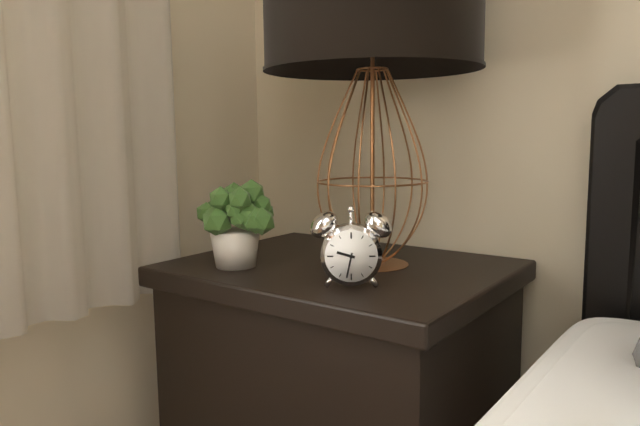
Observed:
{"hour": 9, "minute": 32}
